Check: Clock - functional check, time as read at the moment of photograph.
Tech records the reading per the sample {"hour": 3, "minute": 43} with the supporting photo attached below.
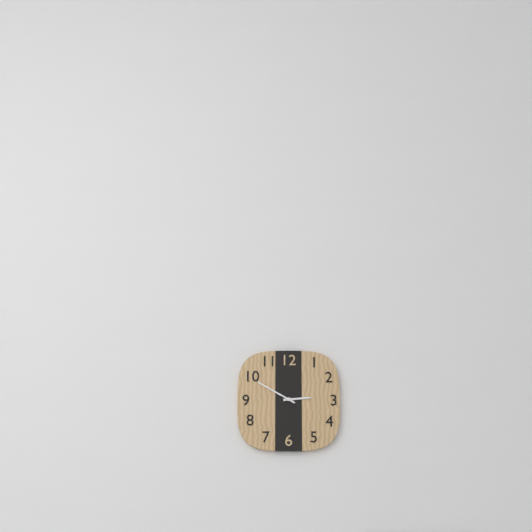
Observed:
{"hour": 2, "minute": 50}
